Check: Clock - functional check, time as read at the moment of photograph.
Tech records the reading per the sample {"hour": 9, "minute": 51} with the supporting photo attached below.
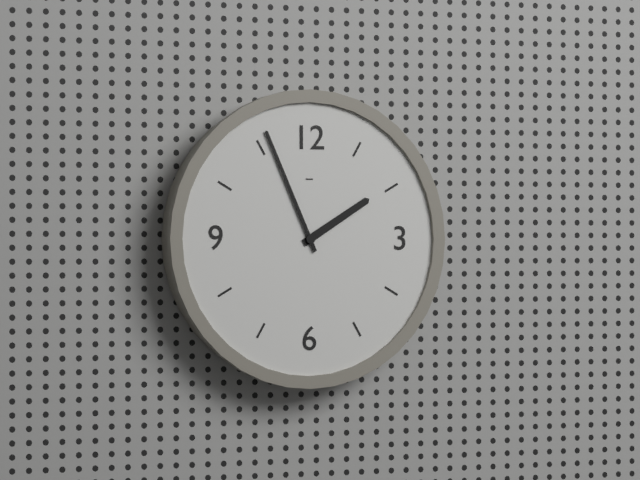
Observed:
{"hour": 1, "minute": 56}
